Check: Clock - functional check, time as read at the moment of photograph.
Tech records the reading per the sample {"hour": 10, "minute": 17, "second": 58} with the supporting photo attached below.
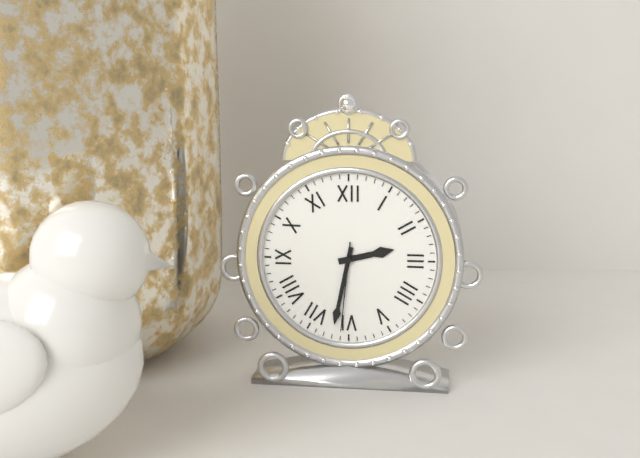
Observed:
{"hour": 2, "minute": 32, "second": 31}
